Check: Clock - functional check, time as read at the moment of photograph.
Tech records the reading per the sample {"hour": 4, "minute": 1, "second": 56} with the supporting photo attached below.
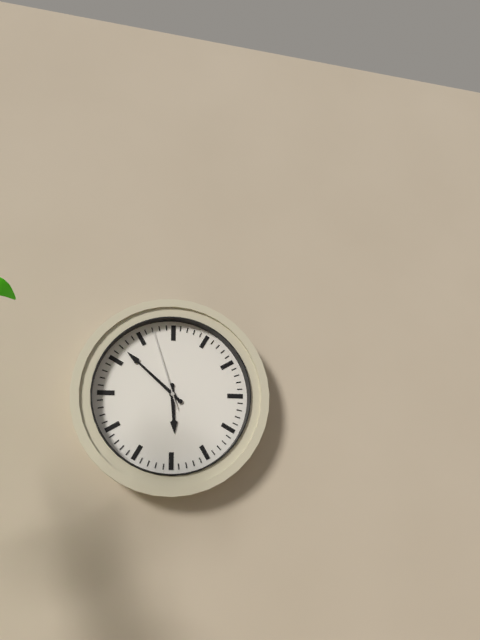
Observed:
{"hour": 5, "minute": 52, "second": 57}
